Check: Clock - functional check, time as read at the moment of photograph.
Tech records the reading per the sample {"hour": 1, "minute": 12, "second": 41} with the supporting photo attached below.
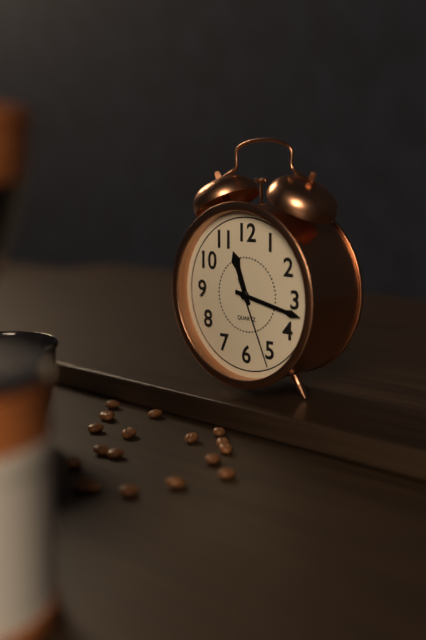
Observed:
{"hour": 11, "minute": 17, "second": 26}
